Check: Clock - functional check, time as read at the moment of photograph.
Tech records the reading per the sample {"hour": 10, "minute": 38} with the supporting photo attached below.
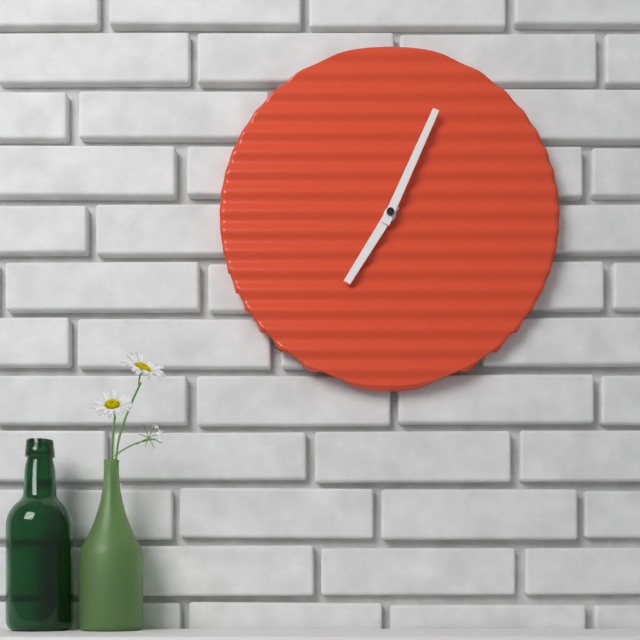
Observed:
{"hour": 7, "minute": 4}
